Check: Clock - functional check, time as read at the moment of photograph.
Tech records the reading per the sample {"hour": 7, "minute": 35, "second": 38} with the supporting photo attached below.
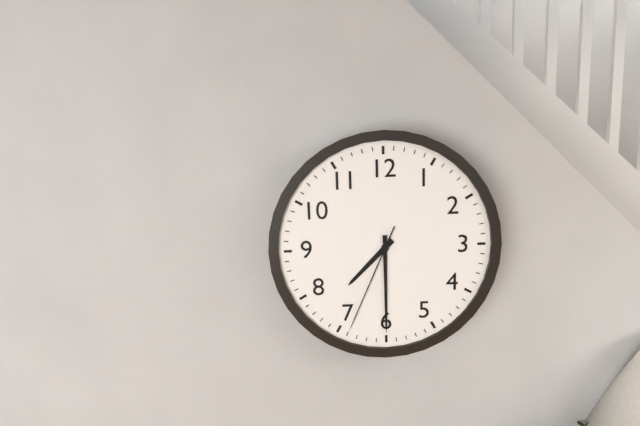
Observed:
{"hour": 7, "minute": 30, "second": 34}
